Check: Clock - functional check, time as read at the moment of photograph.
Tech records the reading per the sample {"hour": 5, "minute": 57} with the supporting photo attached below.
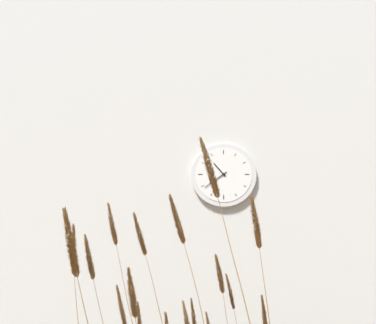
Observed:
{"hour": 10, "minute": 39}
